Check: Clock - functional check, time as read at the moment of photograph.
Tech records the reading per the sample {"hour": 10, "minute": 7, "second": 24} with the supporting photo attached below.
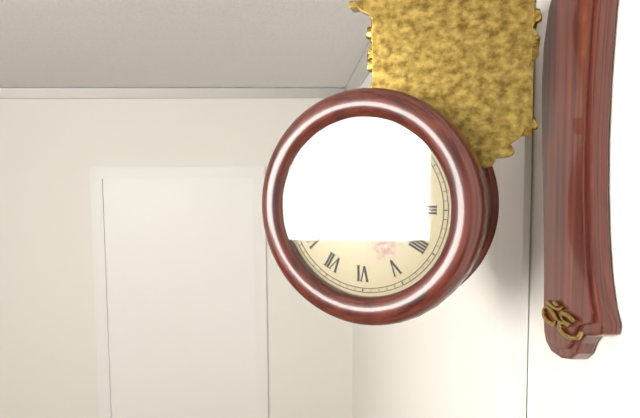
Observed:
{"hour": 1, "minute": 56, "second": 43}
